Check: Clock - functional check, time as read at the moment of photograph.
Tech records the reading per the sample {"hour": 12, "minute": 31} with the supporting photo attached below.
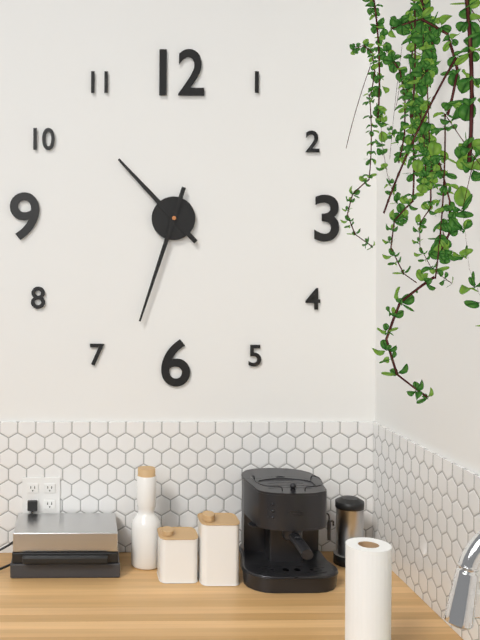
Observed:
{"hour": 10, "minute": 33}
